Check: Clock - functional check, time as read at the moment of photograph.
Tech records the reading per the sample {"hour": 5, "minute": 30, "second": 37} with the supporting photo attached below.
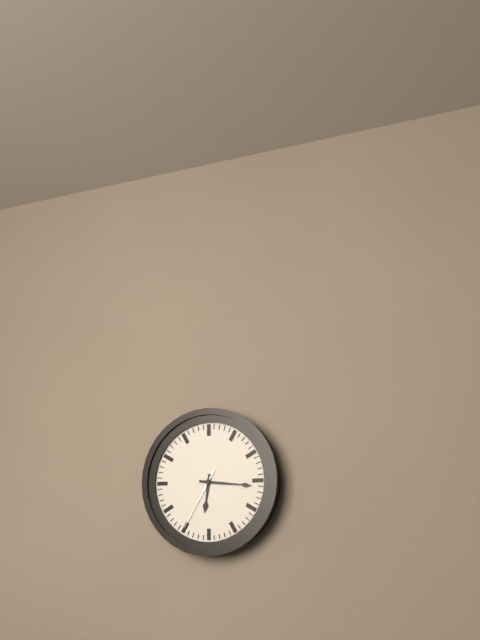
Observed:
{"hour": 6, "minute": 16, "second": 35}
